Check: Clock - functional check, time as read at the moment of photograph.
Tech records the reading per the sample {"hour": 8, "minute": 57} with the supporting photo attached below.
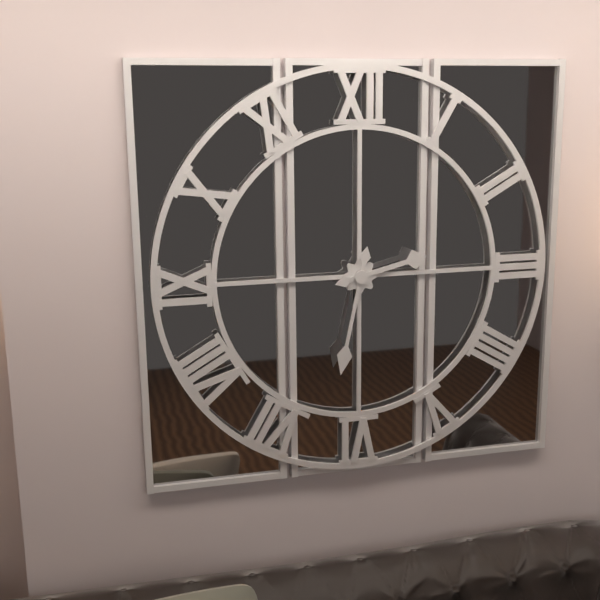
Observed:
{"hour": 2, "minute": 32}
